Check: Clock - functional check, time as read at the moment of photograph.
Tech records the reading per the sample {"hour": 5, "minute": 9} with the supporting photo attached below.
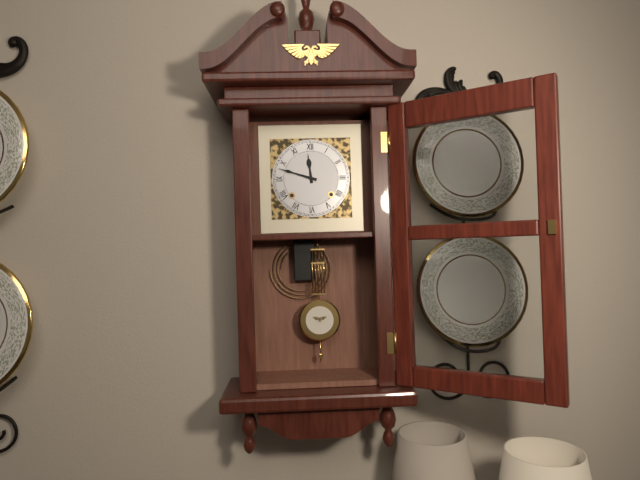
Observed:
{"hour": 11, "minute": 48}
